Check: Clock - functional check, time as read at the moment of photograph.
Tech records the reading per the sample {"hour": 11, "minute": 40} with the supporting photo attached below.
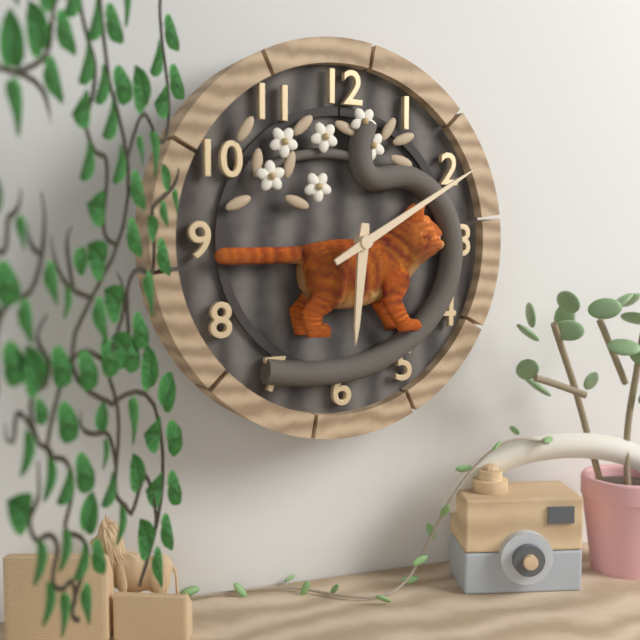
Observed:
{"hour": 6, "minute": 10}
